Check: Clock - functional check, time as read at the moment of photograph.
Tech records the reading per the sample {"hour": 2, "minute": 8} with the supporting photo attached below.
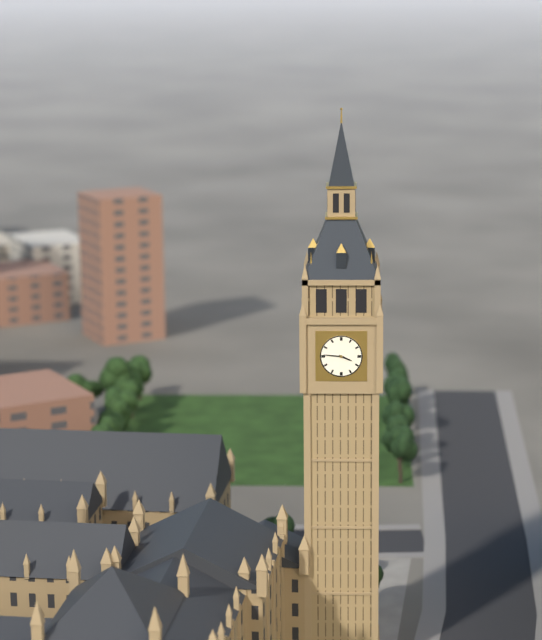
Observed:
{"hour": 3, "minute": 46}
